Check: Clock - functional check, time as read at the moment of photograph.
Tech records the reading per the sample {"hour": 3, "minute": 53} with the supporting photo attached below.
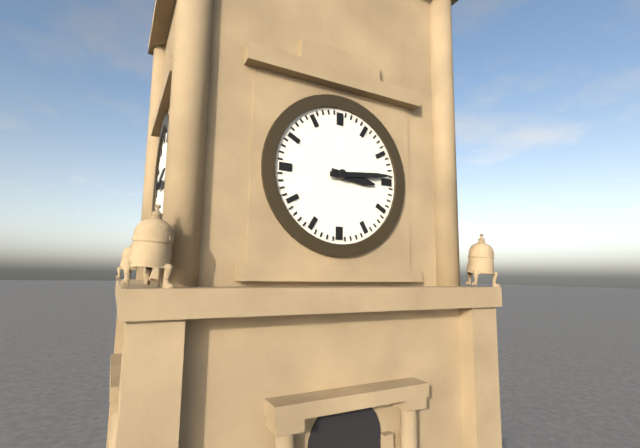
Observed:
{"hour": 3, "minute": 14}
